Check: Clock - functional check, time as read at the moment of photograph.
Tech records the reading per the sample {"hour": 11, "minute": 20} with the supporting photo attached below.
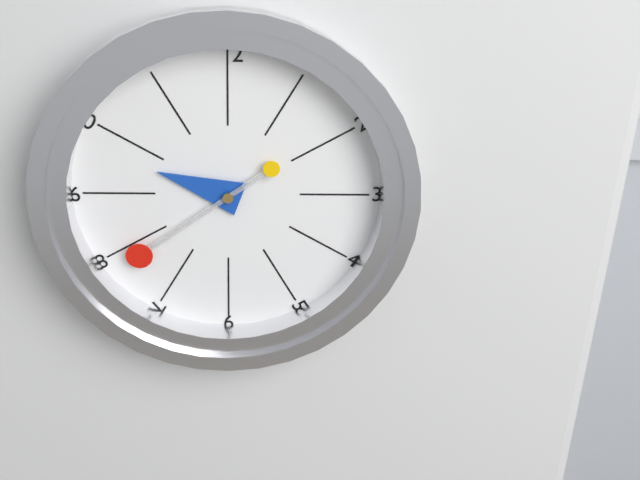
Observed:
{"hour": 9, "minute": 39}
